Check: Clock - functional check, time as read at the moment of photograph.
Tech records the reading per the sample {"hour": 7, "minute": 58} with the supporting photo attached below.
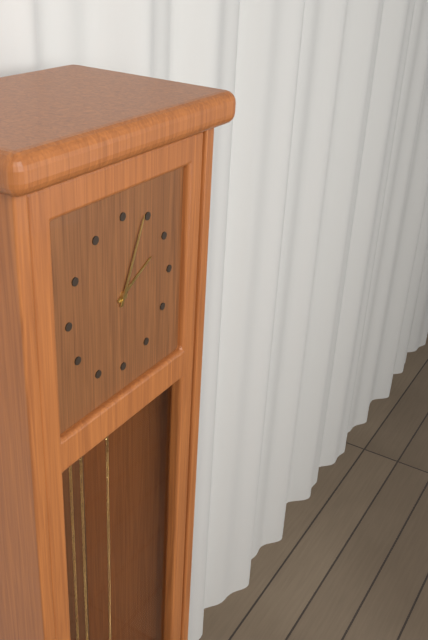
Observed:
{"hour": 2, "minute": 4}
